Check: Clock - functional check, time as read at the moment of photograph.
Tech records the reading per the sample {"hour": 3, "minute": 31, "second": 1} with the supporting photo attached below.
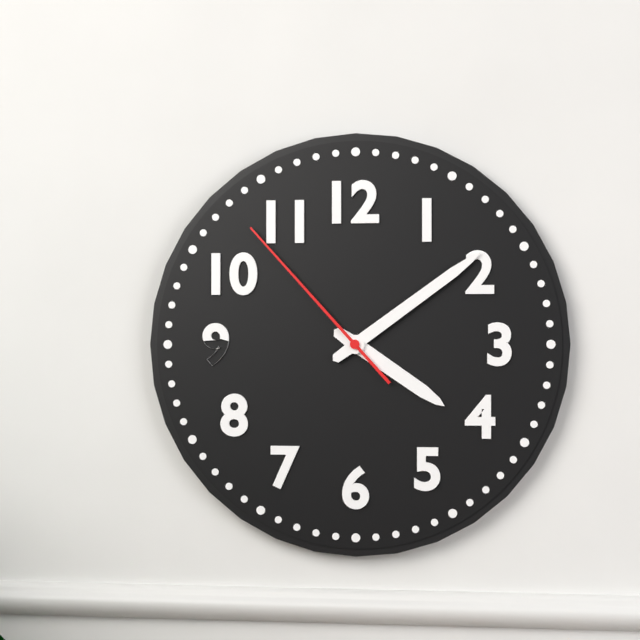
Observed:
{"hour": 4, "minute": 9, "second": 53}
